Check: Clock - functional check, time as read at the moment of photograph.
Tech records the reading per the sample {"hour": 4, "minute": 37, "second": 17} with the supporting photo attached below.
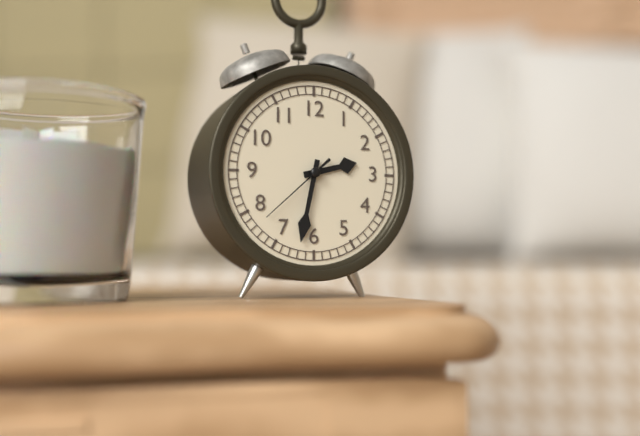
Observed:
{"hour": 2, "minute": 32, "second": 38}
